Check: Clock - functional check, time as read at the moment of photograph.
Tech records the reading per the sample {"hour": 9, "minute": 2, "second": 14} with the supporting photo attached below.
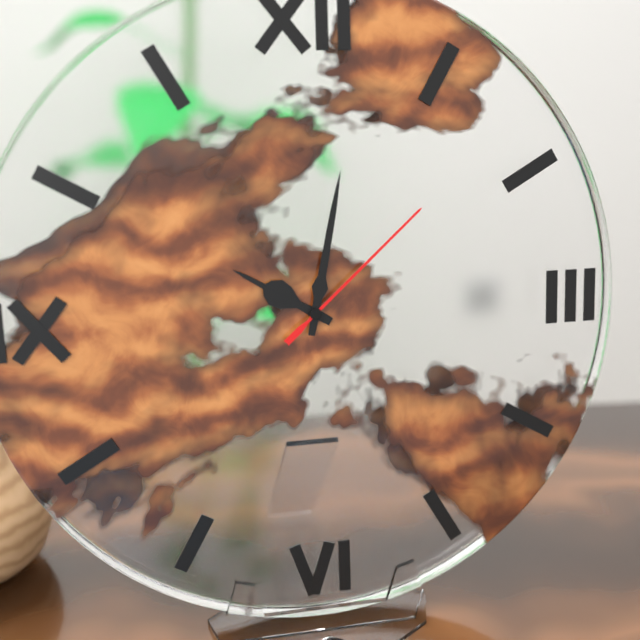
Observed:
{"hour": 10, "minute": 2, "second": 8}
